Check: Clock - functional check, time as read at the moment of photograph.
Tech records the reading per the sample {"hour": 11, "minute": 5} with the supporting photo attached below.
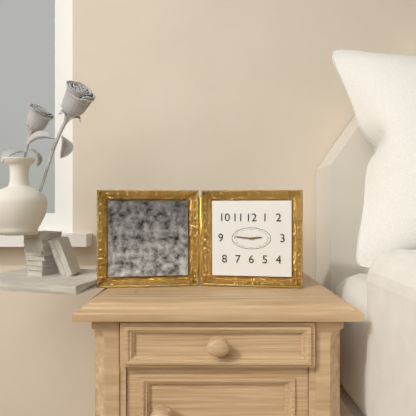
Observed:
{"hour": 2, "minute": 46}
